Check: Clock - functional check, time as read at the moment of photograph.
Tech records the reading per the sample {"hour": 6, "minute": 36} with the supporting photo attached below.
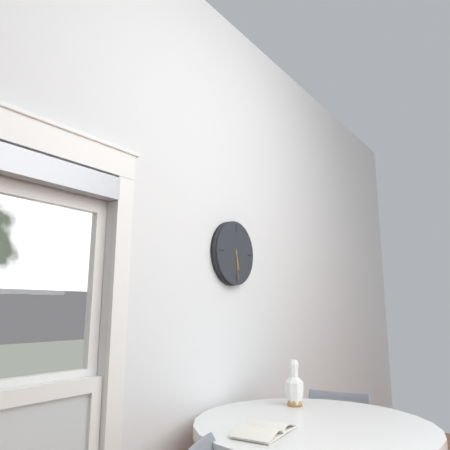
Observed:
{"hour": 5, "minute": 29}
